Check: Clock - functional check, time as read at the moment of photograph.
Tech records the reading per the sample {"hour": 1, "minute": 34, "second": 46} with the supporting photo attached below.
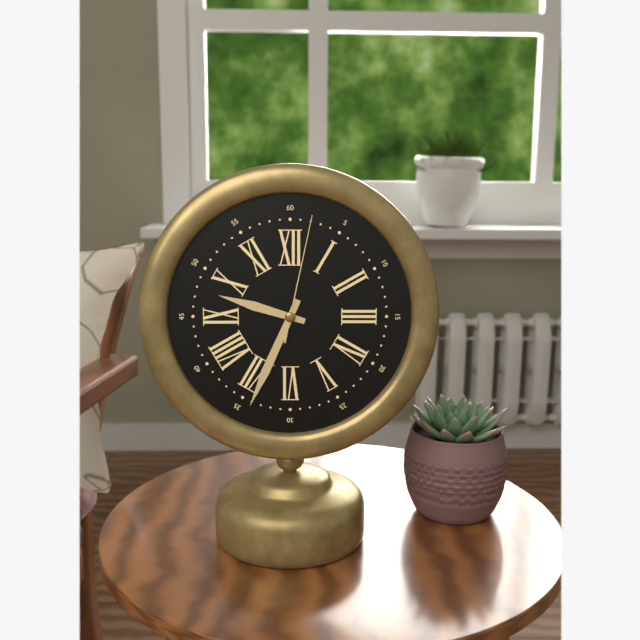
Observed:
{"hour": 9, "minute": 34, "second": 2}
